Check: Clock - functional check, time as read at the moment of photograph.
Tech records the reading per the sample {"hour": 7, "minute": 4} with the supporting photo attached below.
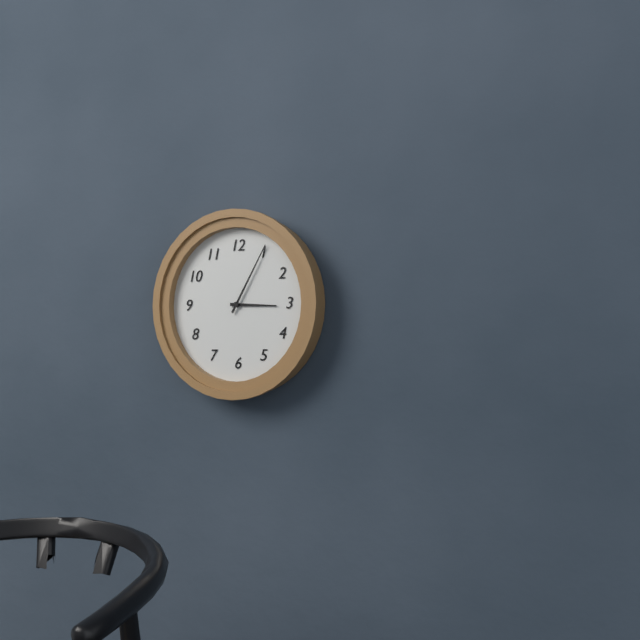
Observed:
{"hour": 3, "minute": 5}
